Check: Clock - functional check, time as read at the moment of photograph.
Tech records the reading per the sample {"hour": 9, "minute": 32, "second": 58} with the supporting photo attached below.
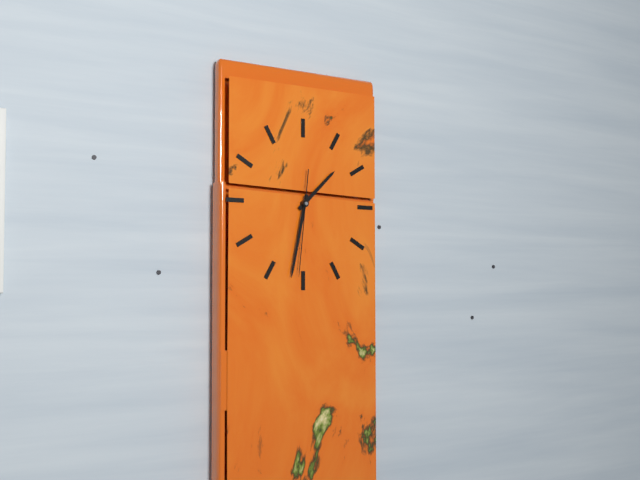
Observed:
{"hour": 1, "minute": 32, "second": 31}
